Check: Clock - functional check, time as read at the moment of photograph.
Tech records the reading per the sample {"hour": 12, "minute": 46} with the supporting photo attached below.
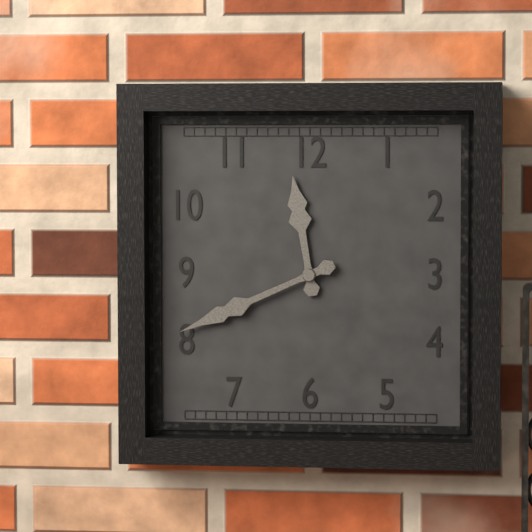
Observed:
{"hour": 11, "minute": 41}
